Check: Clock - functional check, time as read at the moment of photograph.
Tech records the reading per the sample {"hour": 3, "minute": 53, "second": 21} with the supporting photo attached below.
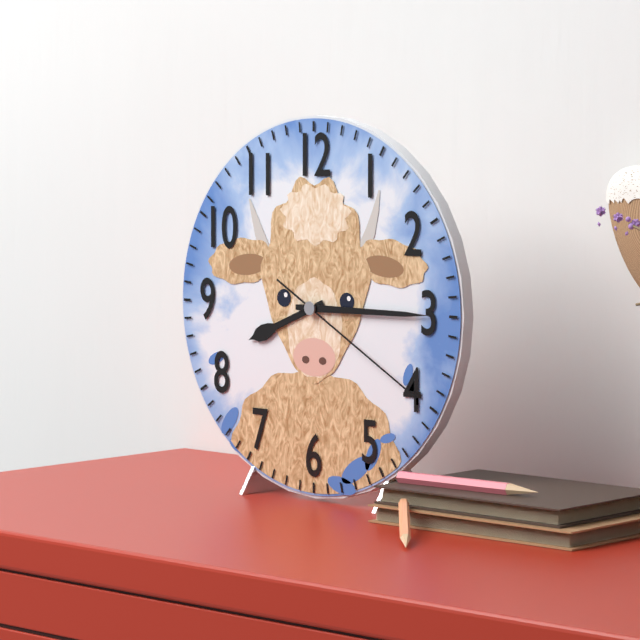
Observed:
{"hour": 8, "minute": 15, "second": 20}
